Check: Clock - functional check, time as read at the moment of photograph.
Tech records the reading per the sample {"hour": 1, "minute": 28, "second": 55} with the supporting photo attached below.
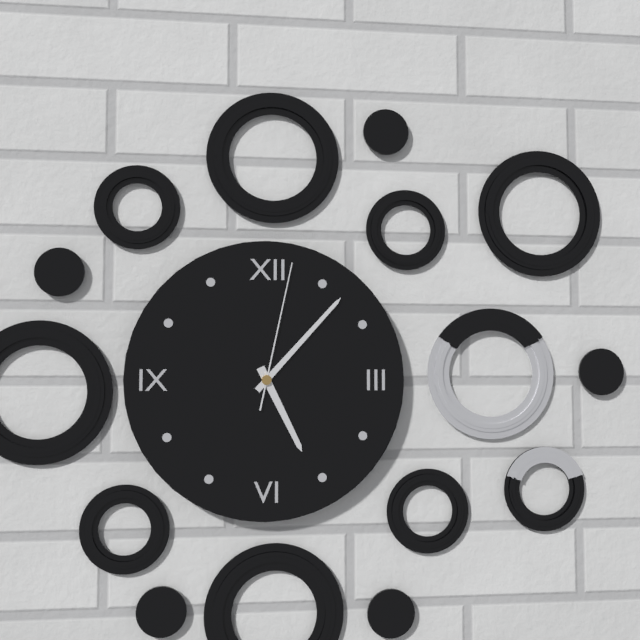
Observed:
{"hour": 5, "minute": 7, "second": 2}
